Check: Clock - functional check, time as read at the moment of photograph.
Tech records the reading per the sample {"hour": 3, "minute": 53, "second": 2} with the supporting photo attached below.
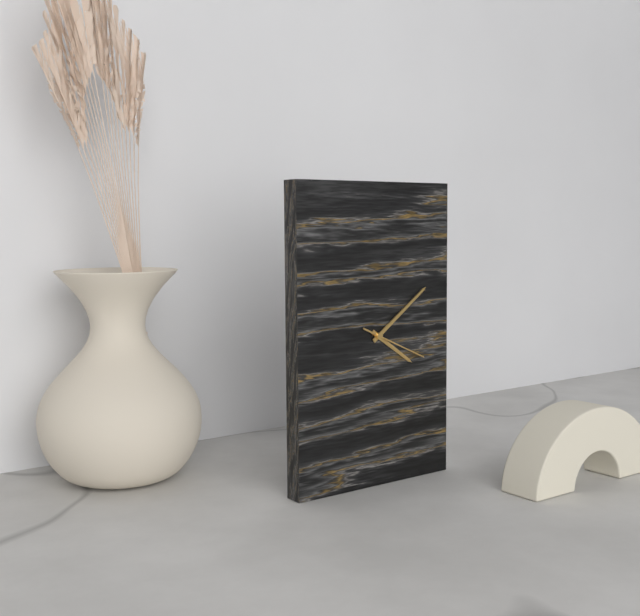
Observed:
{"hour": 4, "minute": 9, "second": 19}
